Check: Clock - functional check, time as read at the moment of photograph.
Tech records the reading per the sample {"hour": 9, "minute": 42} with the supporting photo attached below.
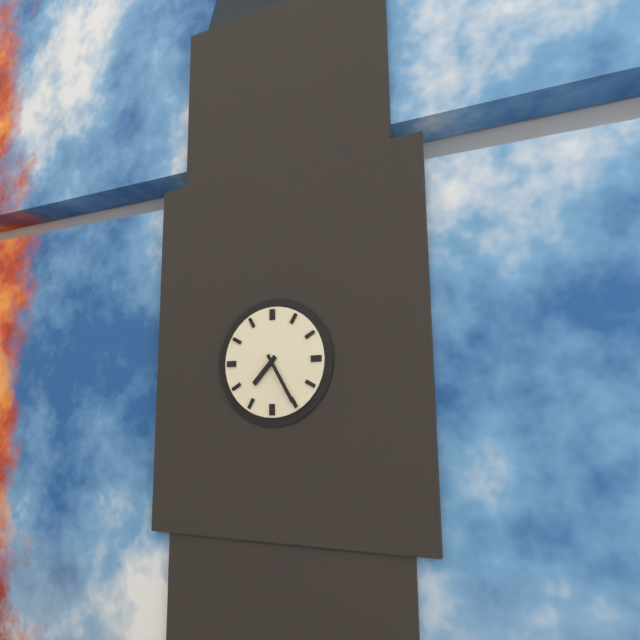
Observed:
{"hour": 7, "minute": 25}
